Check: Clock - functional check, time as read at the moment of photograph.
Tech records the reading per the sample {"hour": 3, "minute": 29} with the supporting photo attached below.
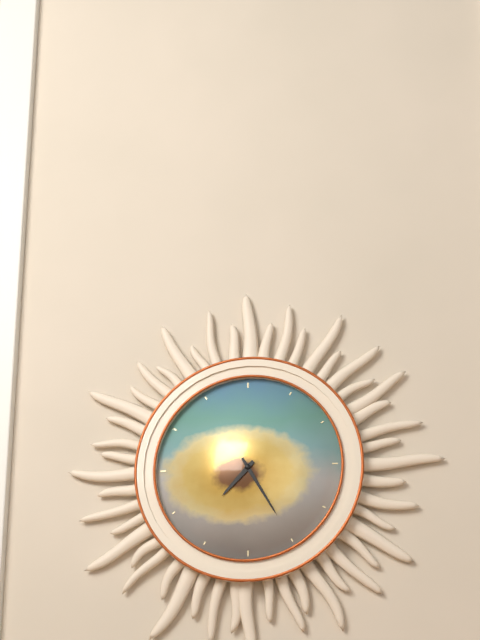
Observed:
{"hour": 7, "minute": 25}
